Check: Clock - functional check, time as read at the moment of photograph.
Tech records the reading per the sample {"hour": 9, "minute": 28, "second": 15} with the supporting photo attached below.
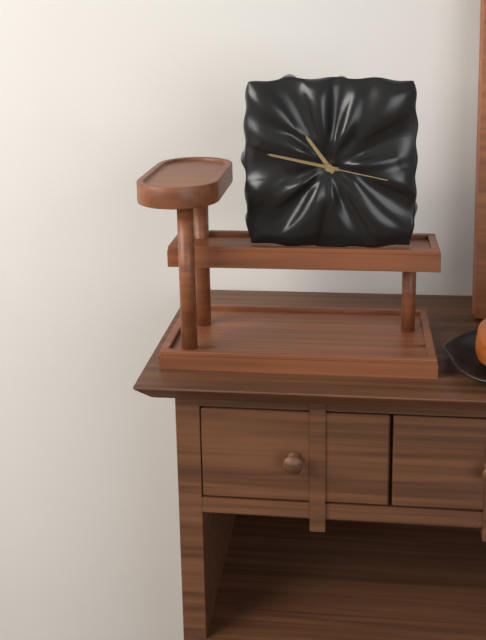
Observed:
{"hour": 10, "minute": 47, "second": 17}
